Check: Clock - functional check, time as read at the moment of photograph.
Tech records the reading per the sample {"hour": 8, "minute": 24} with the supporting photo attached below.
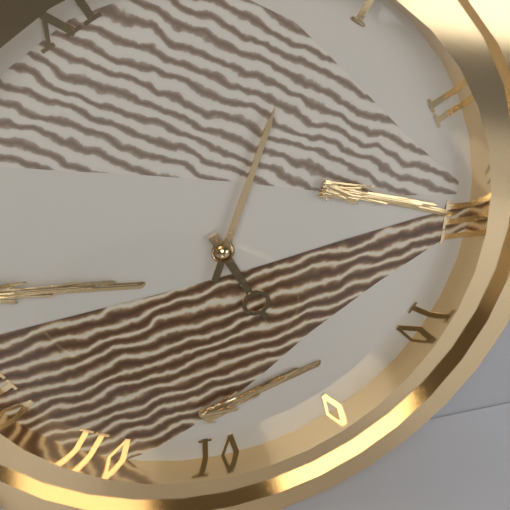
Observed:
{"hour": 5, "minute": 3}
